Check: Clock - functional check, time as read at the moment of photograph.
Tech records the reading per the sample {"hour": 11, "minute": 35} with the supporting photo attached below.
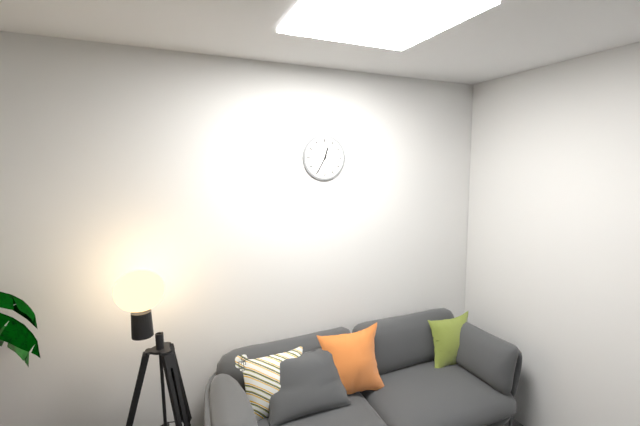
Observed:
{"hour": 12, "minute": 35}
